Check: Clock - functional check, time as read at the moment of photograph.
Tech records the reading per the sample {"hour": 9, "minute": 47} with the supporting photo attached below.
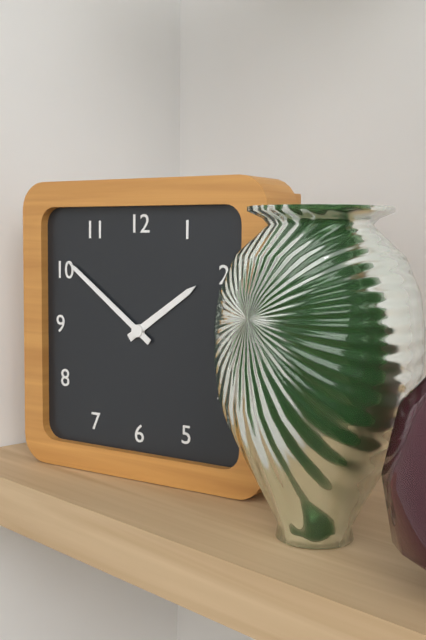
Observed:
{"hour": 1, "minute": 51}
